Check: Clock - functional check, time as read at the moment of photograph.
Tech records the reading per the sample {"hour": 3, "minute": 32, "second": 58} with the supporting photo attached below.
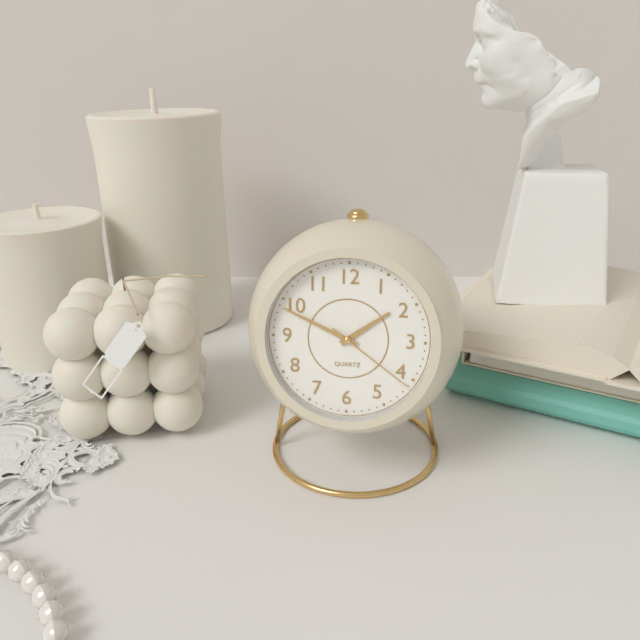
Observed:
{"hour": 1, "minute": 49, "second": 21}
